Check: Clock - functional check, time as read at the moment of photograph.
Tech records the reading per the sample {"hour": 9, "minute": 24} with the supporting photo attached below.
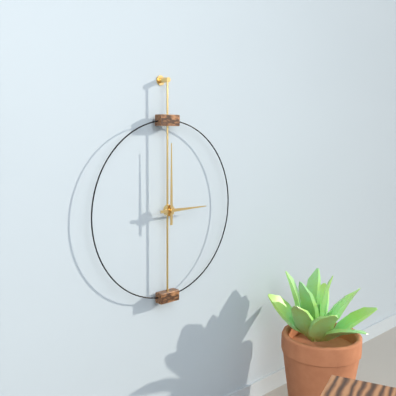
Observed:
{"hour": 3, "minute": 0}
